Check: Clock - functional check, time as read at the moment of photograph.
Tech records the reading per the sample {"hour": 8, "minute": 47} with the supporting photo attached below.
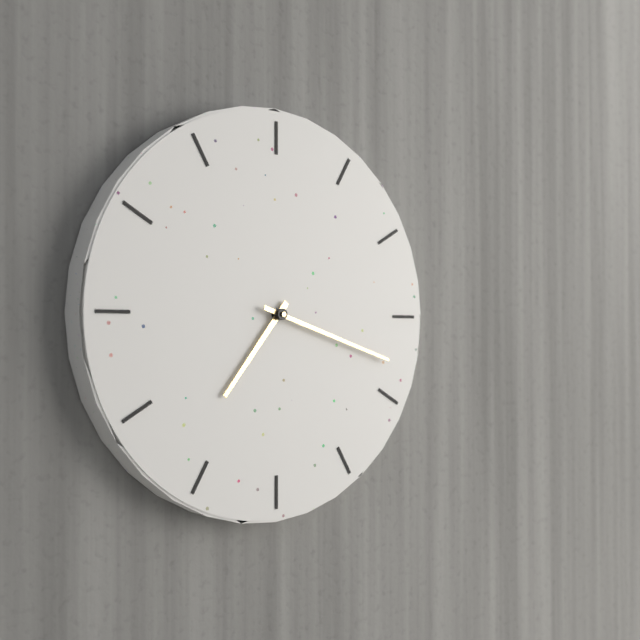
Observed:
{"hour": 7, "minute": 18}
